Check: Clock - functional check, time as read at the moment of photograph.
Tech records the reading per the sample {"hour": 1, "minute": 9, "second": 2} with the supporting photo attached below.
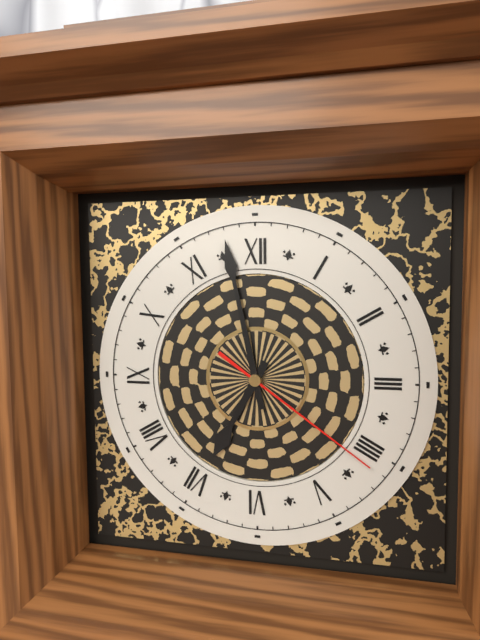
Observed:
{"hour": 6, "minute": 58, "second": 21}
